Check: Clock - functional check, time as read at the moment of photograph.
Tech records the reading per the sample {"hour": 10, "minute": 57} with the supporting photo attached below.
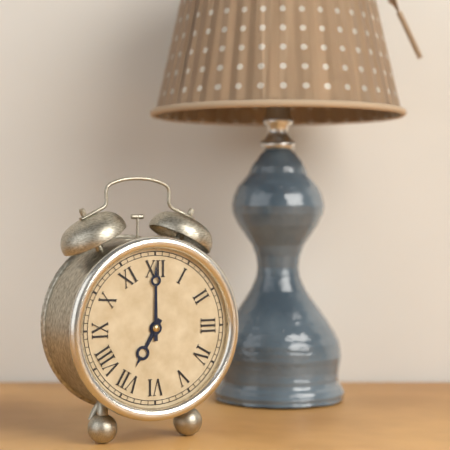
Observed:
{"hour": 7, "minute": 0}
